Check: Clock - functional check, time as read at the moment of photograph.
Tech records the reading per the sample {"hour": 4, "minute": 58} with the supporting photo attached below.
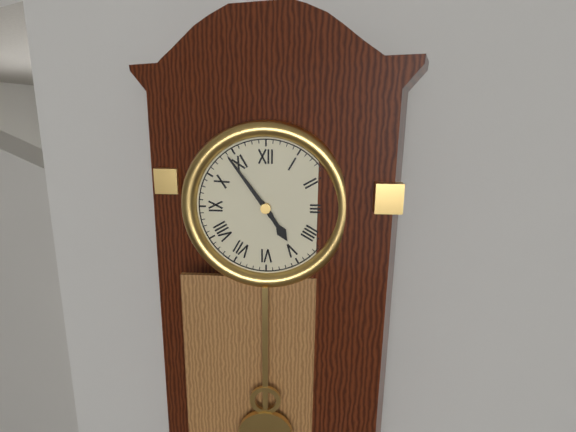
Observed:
{"hour": 4, "minute": 54}
